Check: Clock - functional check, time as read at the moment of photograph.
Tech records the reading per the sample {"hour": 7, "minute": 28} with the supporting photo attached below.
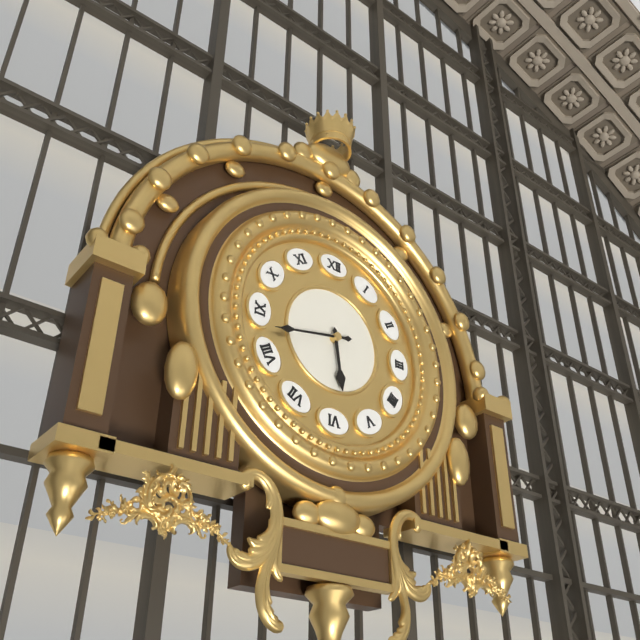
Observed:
{"hour": 5, "minute": 43}
